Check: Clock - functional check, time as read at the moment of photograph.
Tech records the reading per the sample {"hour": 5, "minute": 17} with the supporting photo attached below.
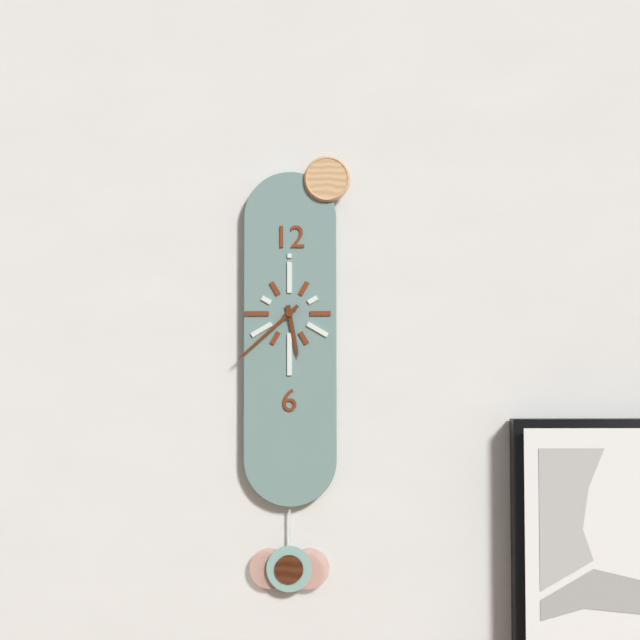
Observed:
{"hour": 5, "minute": 38}
